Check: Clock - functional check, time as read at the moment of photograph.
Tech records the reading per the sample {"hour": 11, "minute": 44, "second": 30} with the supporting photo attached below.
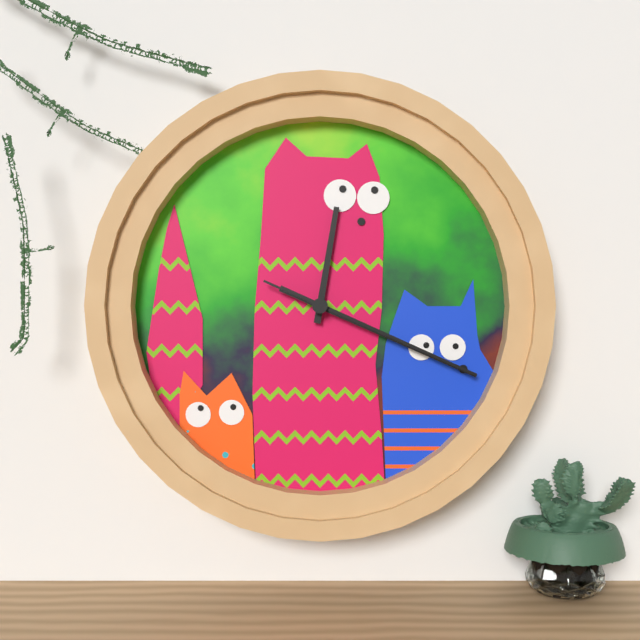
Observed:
{"hour": 12, "minute": 19, "second": 19}
